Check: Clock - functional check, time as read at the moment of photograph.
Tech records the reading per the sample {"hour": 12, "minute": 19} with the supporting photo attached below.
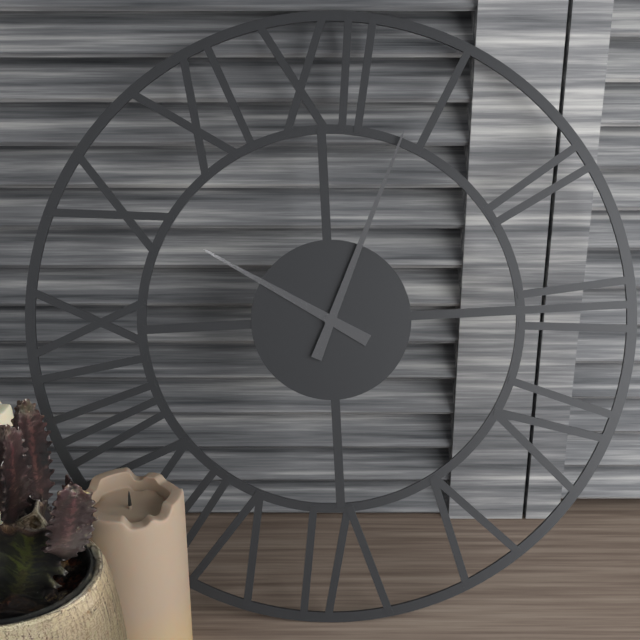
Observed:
{"hour": 10, "minute": 4}
